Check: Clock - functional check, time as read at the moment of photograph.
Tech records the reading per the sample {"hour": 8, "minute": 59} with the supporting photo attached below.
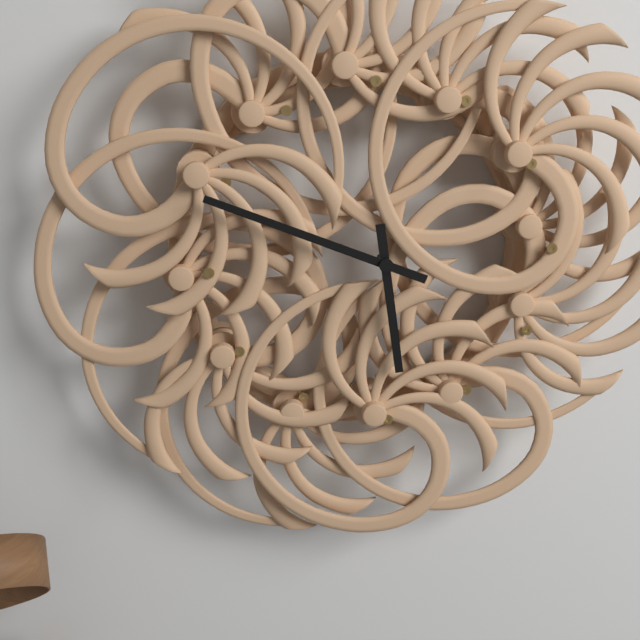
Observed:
{"hour": 5, "minute": 49}
